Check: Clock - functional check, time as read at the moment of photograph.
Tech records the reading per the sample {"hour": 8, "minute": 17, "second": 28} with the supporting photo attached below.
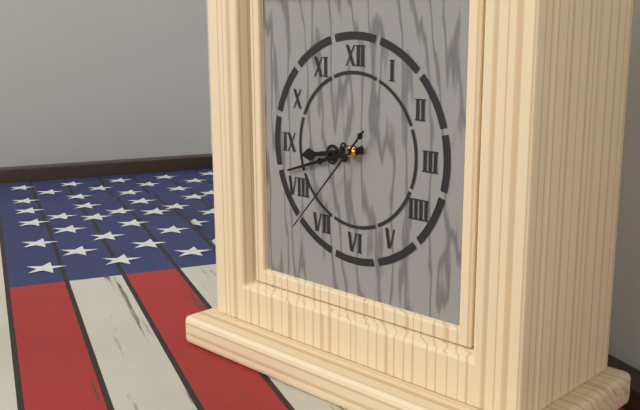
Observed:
{"hour": 8, "minute": 42, "second": 37}
